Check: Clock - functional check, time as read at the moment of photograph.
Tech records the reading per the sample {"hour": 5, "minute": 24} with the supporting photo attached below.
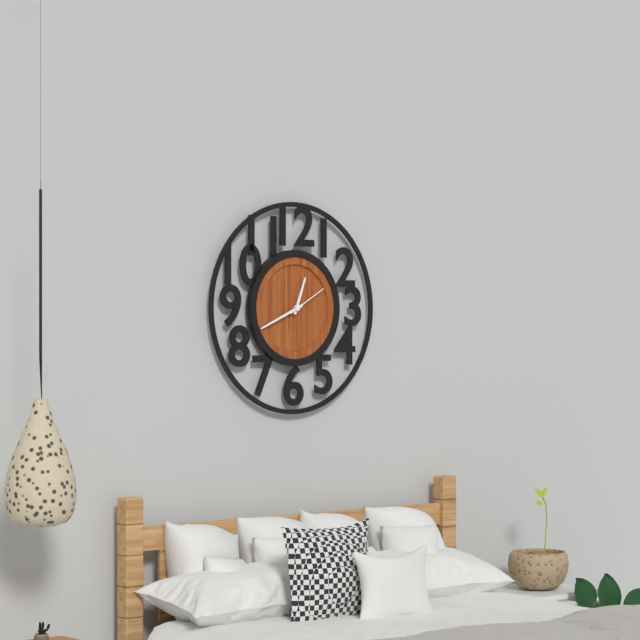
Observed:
{"hour": 12, "minute": 41}
